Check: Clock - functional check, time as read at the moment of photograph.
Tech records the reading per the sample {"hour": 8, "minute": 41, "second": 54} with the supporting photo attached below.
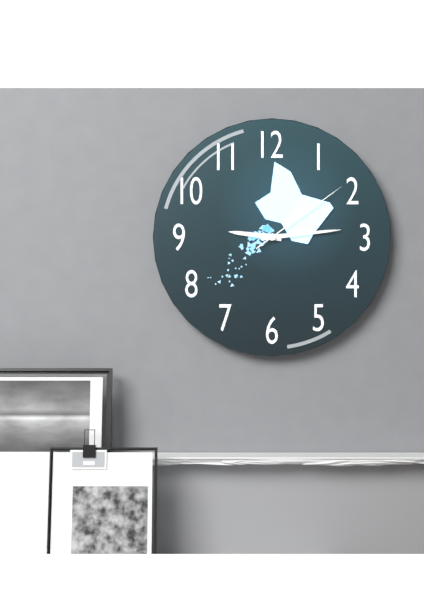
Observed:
{"hour": 9, "minute": 14, "second": 9}
